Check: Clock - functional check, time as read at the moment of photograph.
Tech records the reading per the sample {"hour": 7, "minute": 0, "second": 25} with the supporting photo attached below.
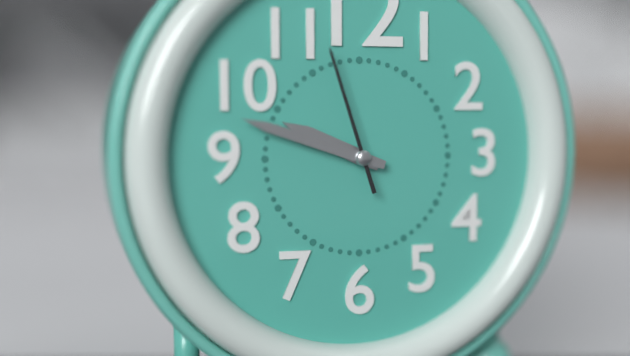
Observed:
{"hour": 9, "minute": 48, "second": 57}
